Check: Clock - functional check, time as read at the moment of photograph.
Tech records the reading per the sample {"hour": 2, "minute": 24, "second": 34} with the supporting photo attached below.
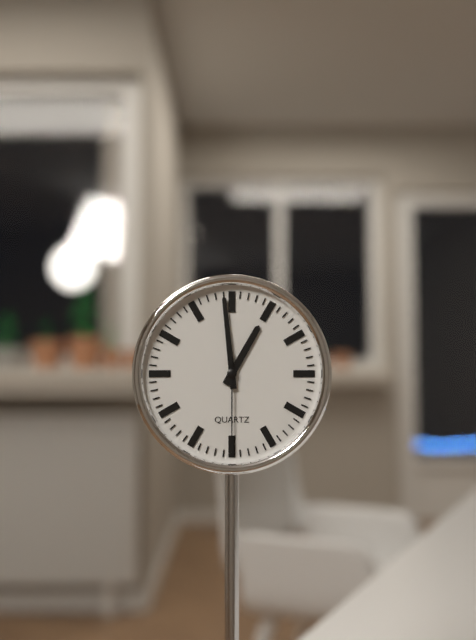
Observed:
{"hour": 12, "minute": 59, "second": 30}
